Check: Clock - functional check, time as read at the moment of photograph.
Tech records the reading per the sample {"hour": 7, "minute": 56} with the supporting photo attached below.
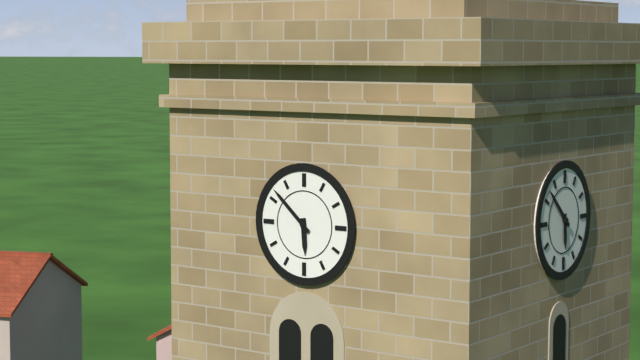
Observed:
{"hour": 5, "minute": 52}
